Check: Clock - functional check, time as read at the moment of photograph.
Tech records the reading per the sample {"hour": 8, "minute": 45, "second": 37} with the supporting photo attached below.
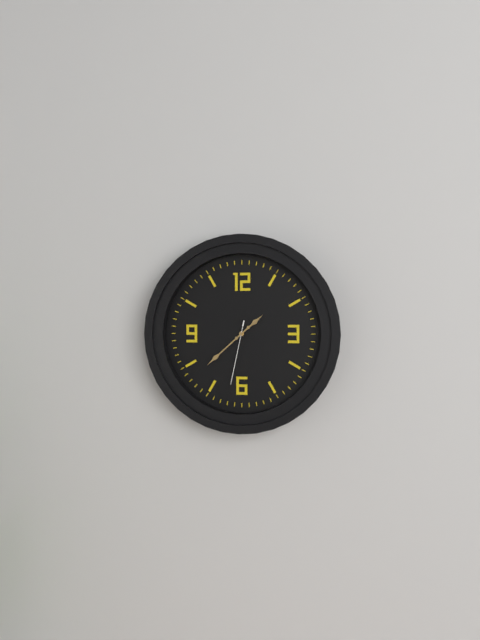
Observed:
{"hour": 1, "minute": 38, "second": 32}
